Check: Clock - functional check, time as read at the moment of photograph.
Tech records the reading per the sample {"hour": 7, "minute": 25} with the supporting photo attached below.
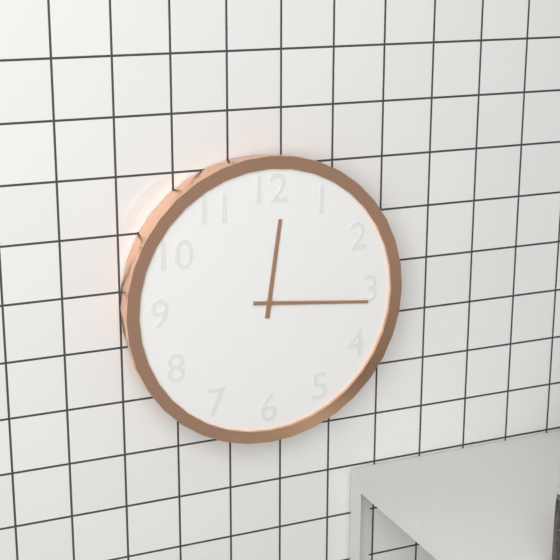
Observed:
{"hour": 12, "minute": 16}
